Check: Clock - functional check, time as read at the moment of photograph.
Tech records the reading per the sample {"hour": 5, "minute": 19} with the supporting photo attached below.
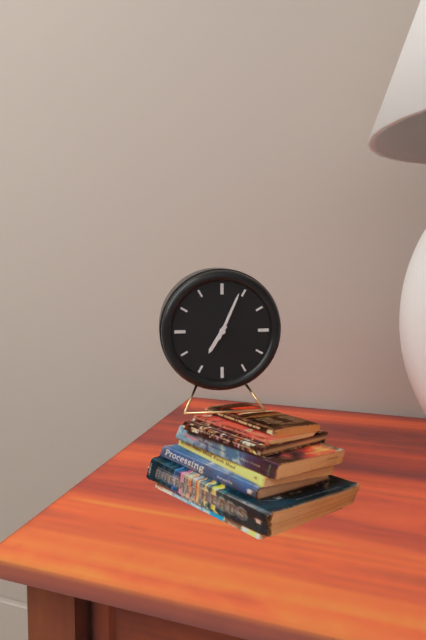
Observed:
{"hour": 7, "minute": 4}
